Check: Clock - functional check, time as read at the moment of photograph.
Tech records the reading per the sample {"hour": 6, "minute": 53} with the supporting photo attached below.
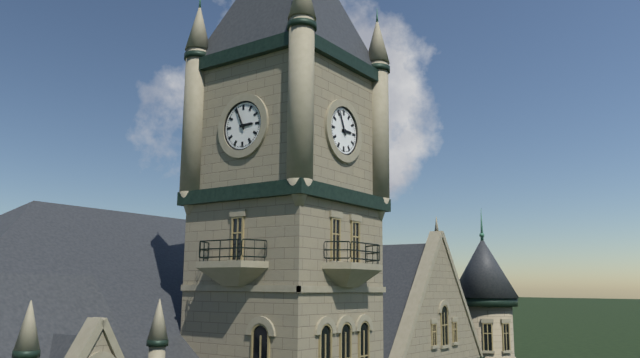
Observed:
{"hour": 2, "minute": 56}
